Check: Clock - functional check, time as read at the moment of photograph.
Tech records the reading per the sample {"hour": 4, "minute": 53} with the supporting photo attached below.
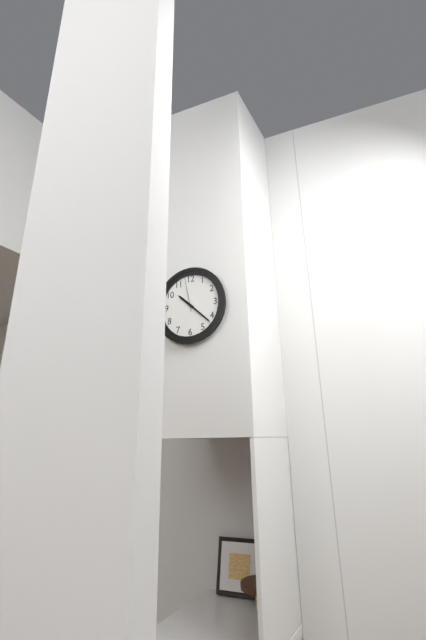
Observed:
{"hour": 10, "minute": 22}
